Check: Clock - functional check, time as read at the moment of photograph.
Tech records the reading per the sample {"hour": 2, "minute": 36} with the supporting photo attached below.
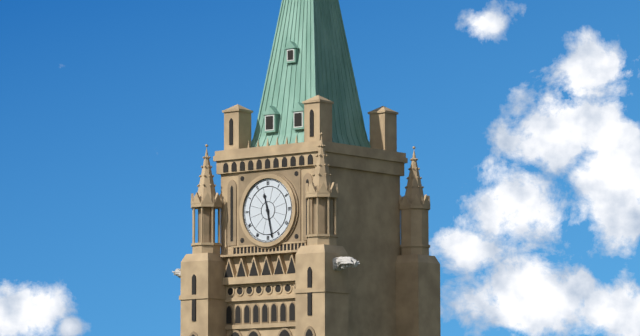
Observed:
{"hour": 11, "minute": 28}
